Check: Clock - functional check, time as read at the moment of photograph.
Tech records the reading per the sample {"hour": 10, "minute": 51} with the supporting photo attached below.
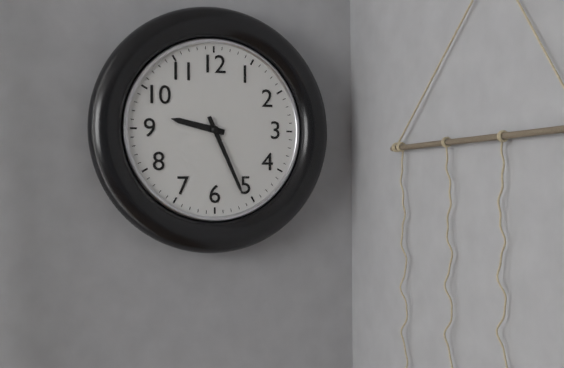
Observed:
{"hour": 9, "minute": 26}
